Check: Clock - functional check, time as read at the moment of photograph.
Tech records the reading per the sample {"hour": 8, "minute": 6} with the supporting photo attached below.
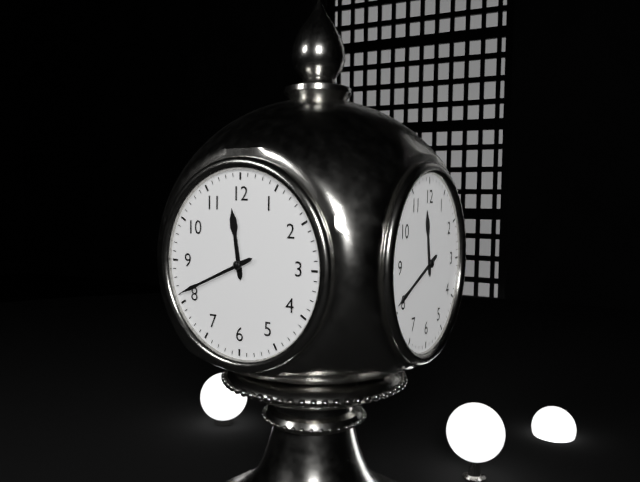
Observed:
{"hour": 11, "minute": 41}
